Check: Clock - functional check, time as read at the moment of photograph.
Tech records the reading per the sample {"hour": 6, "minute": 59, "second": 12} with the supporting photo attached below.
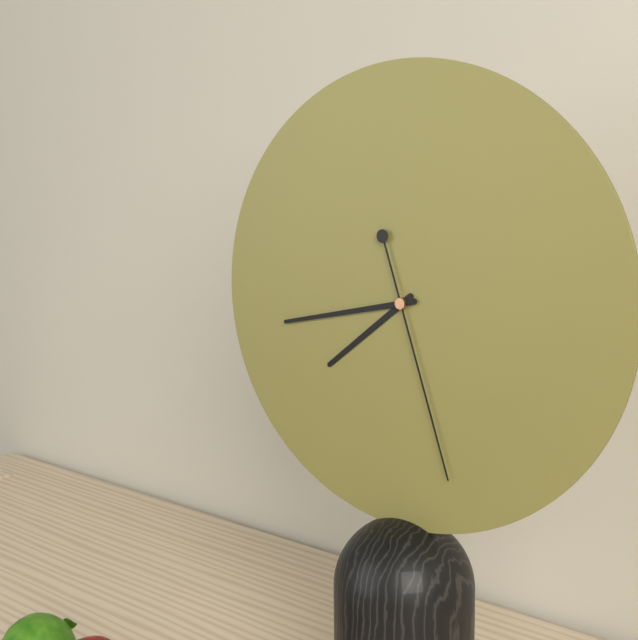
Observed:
{"hour": 7, "minute": 43, "second": 27}
